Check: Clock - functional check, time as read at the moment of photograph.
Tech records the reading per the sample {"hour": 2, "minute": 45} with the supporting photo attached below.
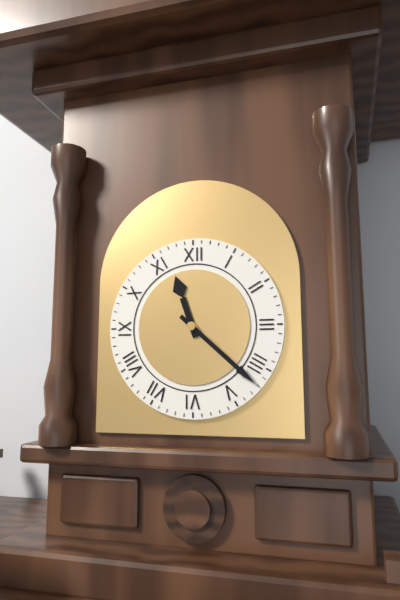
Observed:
{"hour": 11, "minute": 22}
